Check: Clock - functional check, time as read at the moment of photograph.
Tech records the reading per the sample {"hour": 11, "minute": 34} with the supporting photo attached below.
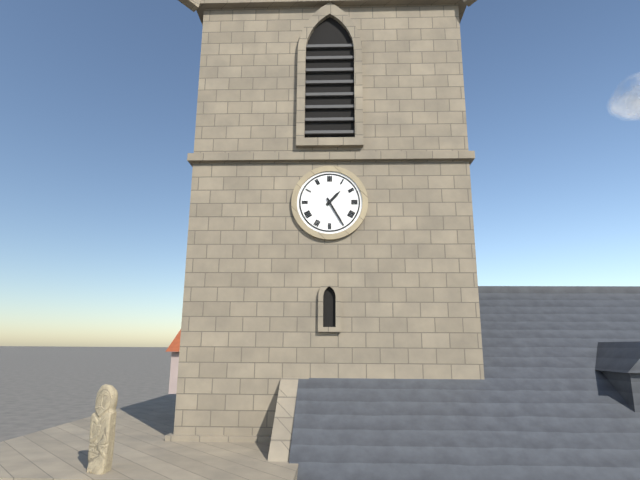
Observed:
{"hour": 1, "minute": 25}
